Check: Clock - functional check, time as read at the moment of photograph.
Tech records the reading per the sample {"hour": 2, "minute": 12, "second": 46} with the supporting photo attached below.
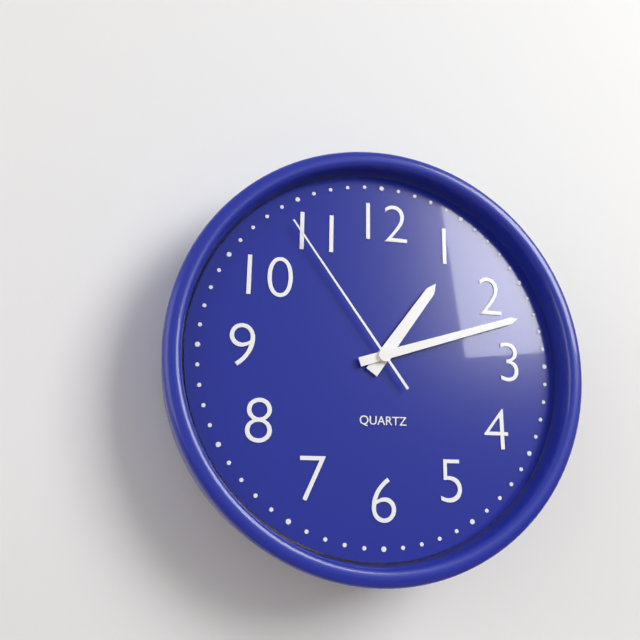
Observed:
{"hour": 1, "minute": 12, "second": 54}
